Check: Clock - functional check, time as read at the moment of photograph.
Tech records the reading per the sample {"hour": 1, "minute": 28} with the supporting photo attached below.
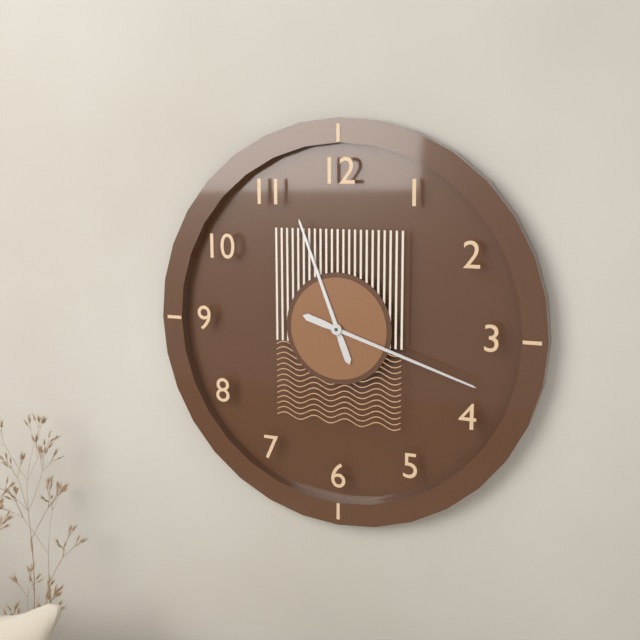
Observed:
{"hour": 11, "minute": 18}
